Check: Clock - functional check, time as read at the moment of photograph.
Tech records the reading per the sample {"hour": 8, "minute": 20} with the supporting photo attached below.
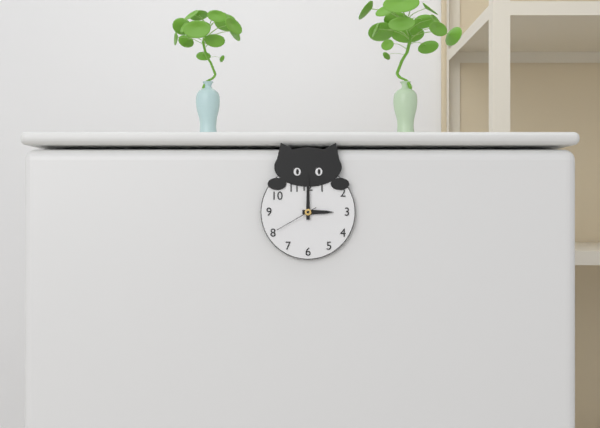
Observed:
{"hour": 3, "minute": 0}
